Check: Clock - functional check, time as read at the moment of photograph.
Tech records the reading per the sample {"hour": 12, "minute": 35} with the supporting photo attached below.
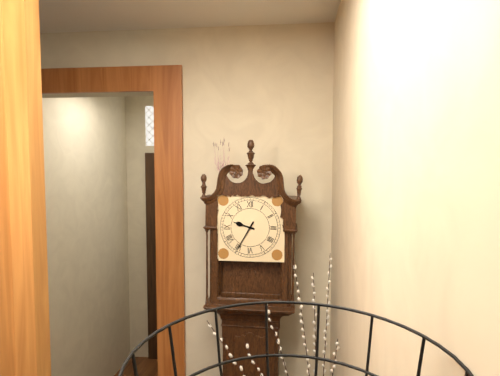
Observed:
{"hour": 9, "minute": 35}
